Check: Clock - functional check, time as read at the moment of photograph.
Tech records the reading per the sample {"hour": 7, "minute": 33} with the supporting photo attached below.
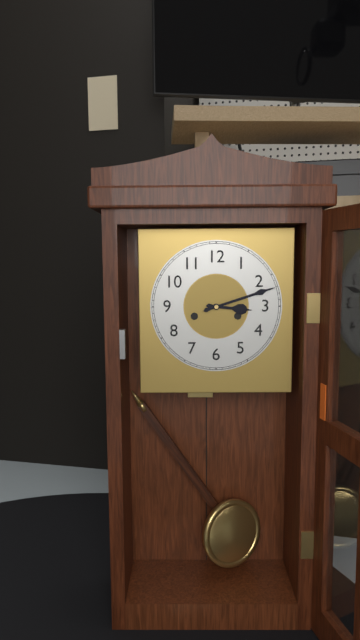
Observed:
{"hour": 3, "minute": 12}
